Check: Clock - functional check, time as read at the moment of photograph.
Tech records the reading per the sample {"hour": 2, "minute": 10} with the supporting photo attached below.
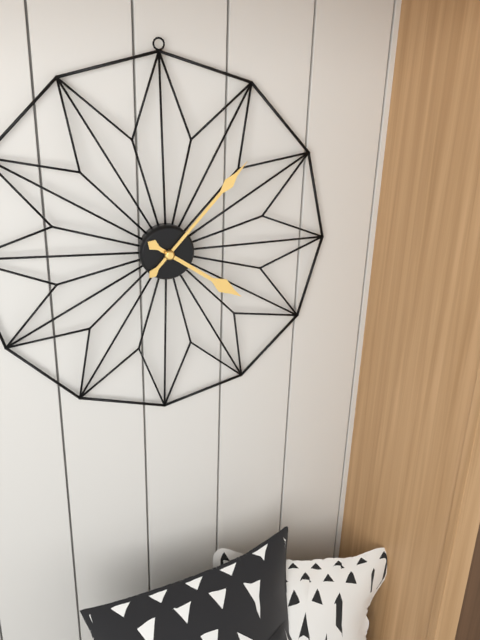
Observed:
{"hour": 4, "minute": 7}
